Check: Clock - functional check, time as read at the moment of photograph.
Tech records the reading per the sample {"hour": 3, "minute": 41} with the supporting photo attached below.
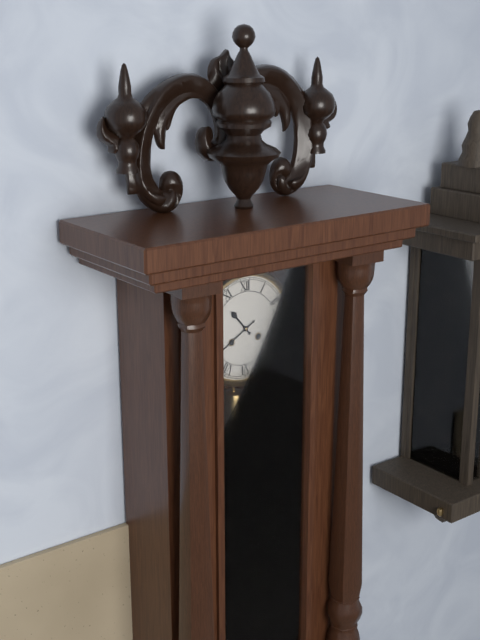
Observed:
{"hour": 10, "minute": 40}
